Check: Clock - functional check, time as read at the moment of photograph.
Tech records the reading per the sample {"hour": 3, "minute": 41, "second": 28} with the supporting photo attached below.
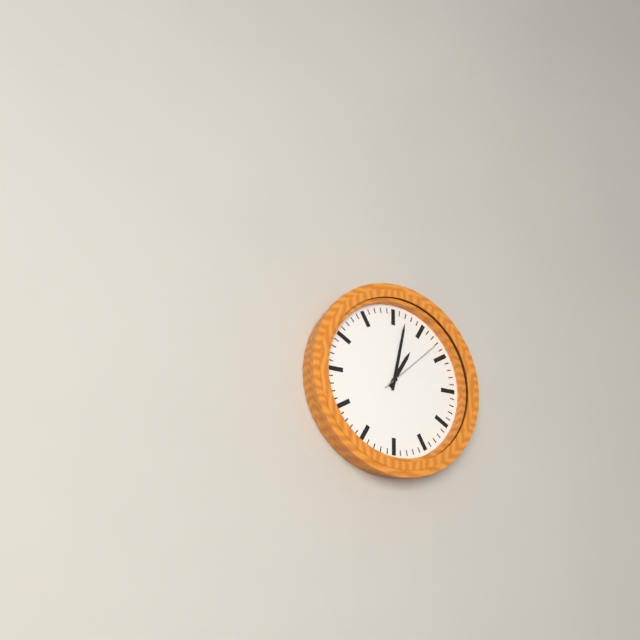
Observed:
{"hour": 1, "minute": 2, "second": 8}
